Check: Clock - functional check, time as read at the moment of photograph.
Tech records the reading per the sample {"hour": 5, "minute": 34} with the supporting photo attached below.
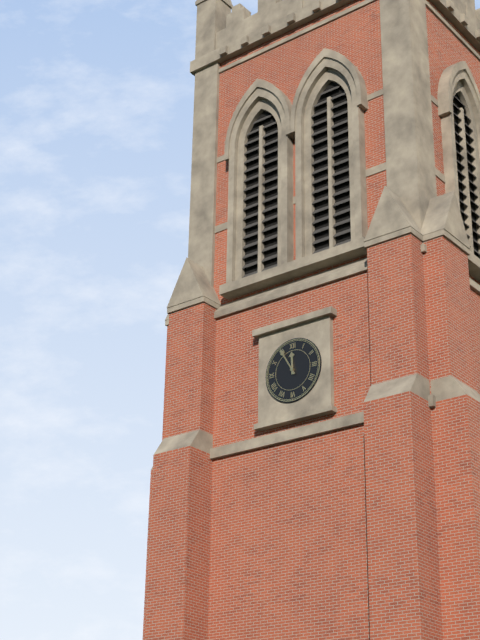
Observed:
{"hour": 11, "minute": 55}
